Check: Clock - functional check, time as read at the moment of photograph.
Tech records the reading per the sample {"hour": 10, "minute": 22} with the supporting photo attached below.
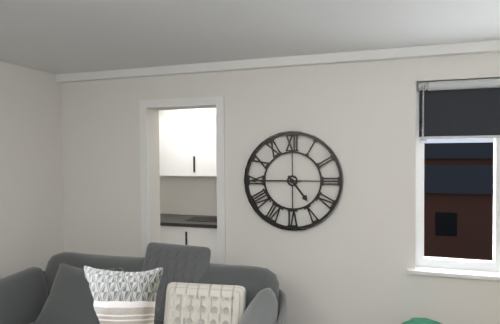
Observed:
{"hour": 4, "minute": 45}
